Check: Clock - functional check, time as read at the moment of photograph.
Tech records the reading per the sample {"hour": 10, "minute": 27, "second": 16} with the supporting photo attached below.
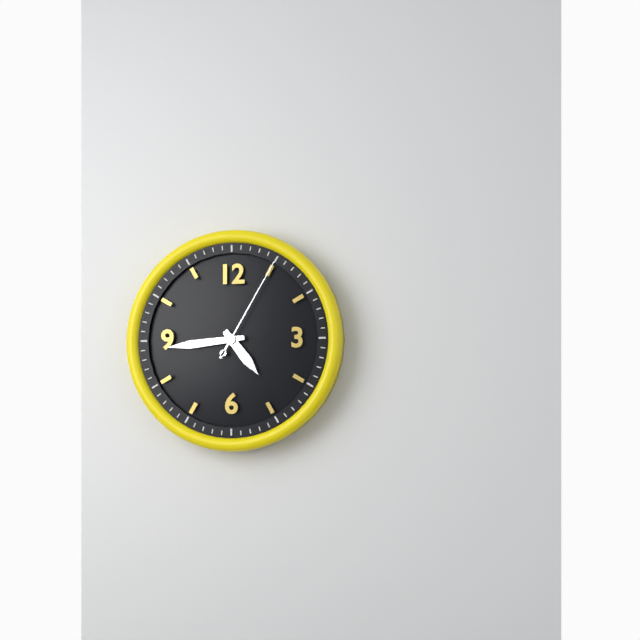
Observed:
{"hour": 4, "minute": 44, "second": 5}
